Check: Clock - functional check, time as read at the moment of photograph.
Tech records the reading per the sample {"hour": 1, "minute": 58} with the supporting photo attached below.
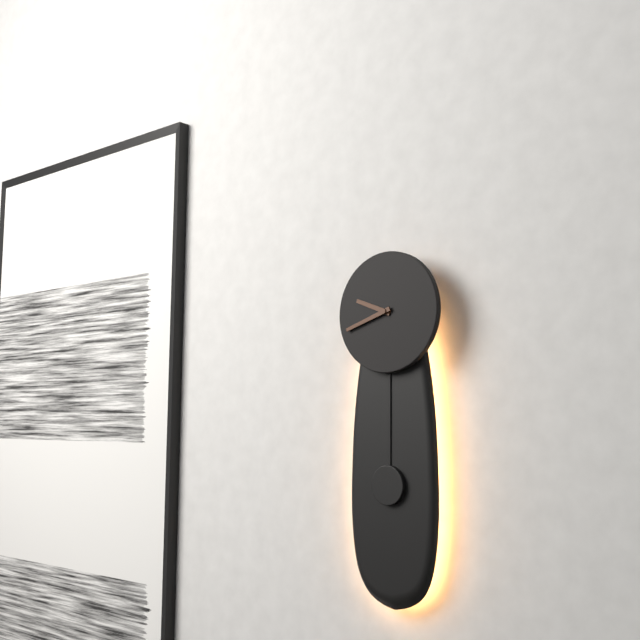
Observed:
{"hour": 9, "minute": 42}
